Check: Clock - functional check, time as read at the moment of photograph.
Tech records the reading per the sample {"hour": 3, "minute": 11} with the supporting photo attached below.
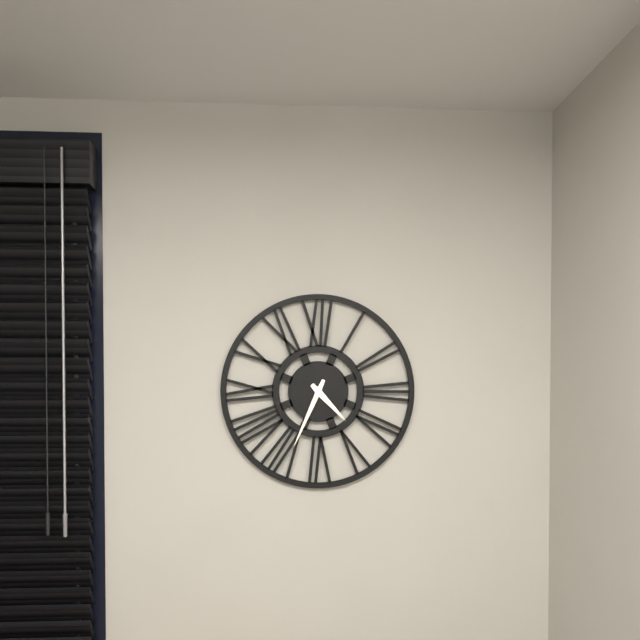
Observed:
{"hour": 4, "minute": 34}
